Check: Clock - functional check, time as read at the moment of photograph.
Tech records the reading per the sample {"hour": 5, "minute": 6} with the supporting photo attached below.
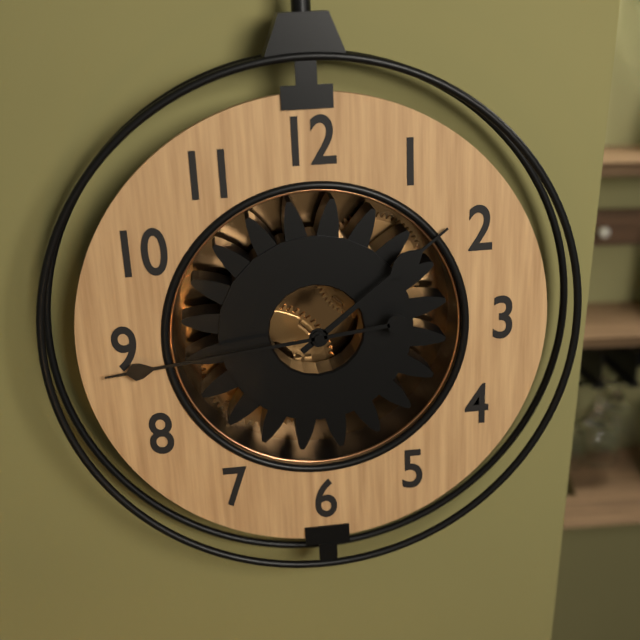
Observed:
{"hour": 1, "minute": 44}
